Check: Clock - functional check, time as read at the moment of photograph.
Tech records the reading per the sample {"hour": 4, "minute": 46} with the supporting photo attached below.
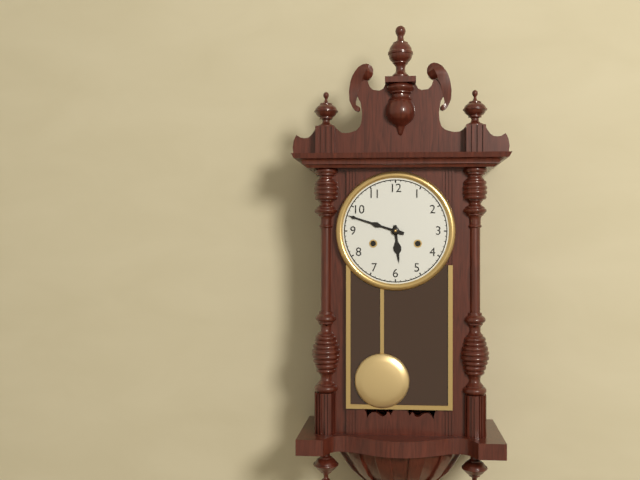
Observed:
{"hour": 5, "minute": 48}
